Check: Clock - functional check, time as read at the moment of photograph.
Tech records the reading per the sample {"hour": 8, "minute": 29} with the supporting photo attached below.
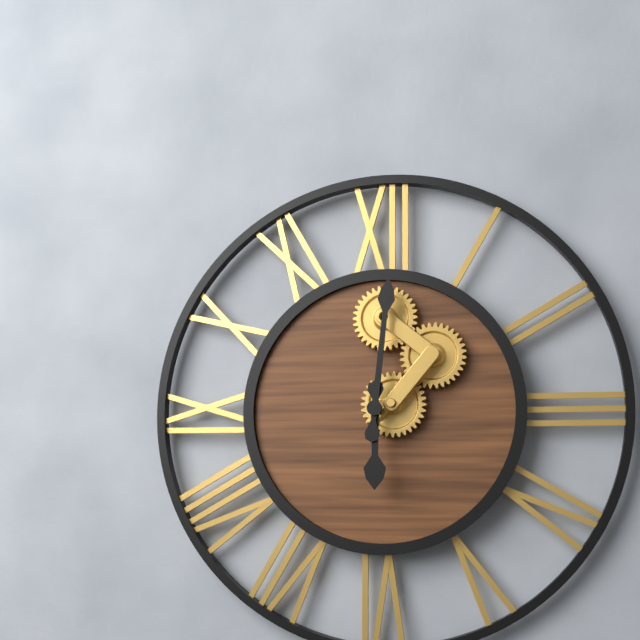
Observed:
{"hour": 6, "minute": 1}
